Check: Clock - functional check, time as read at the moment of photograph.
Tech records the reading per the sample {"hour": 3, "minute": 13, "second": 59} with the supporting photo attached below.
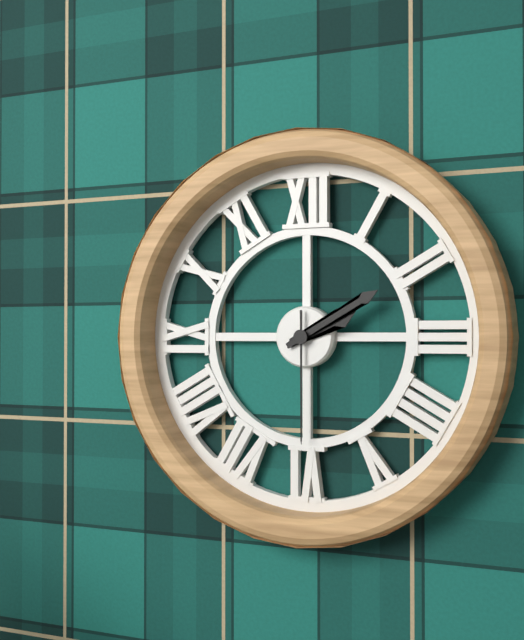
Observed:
{"hour": 2, "minute": 10, "second": 30}
